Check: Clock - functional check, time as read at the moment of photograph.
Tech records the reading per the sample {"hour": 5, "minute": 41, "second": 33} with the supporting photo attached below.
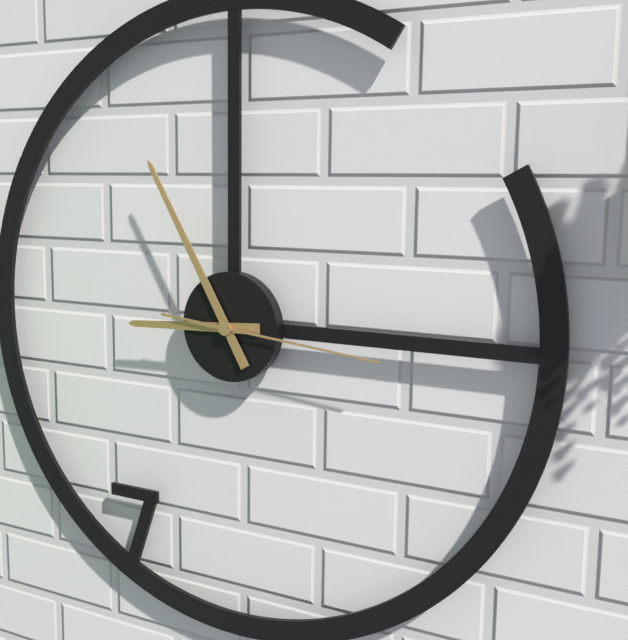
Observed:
{"hour": 8, "minute": 55, "second": 16}
